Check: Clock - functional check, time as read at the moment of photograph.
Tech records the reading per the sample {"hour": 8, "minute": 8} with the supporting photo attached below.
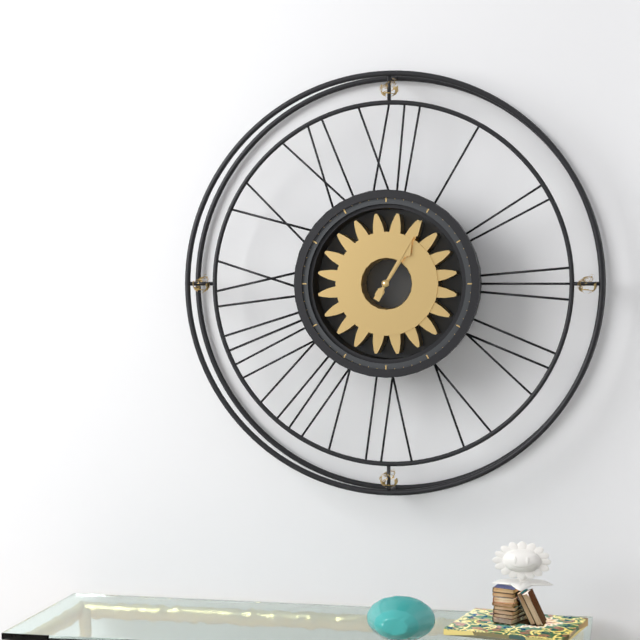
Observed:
{"hour": 1, "minute": 5}
